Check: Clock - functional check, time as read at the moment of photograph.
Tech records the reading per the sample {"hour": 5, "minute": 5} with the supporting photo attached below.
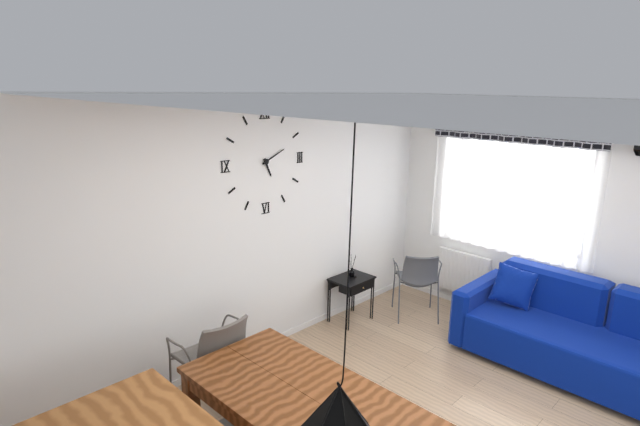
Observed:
{"hour": 5, "minute": 11}
